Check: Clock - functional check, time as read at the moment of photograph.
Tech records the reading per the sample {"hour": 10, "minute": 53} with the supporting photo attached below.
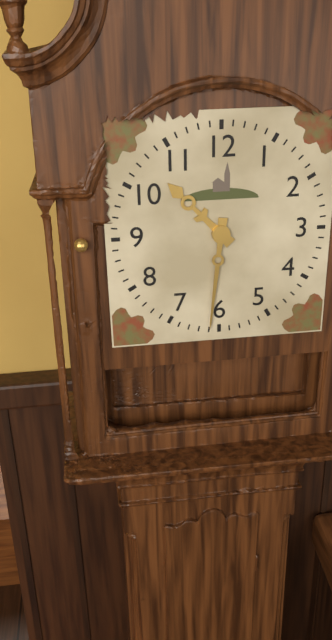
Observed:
{"hour": 10, "minute": 31}
